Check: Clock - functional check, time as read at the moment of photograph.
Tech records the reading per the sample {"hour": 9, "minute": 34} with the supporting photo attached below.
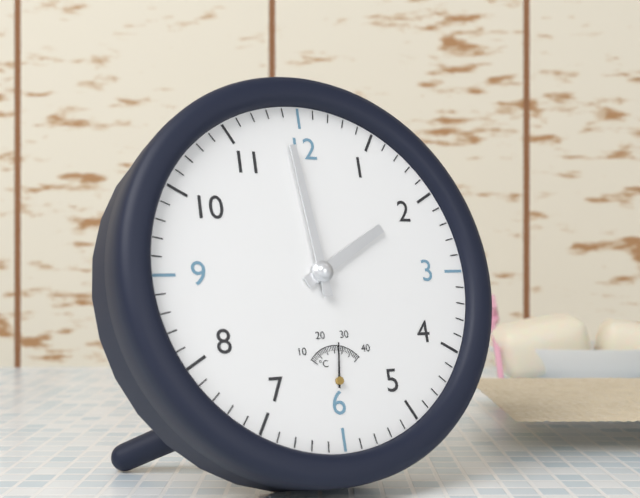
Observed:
{"hour": 1, "minute": 59}
